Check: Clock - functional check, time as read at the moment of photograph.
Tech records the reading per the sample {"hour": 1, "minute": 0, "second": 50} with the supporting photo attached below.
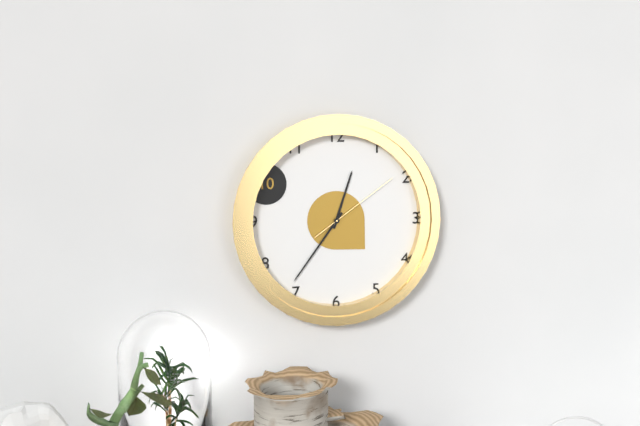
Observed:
{"hour": 12, "minute": 36, "second": 9}
